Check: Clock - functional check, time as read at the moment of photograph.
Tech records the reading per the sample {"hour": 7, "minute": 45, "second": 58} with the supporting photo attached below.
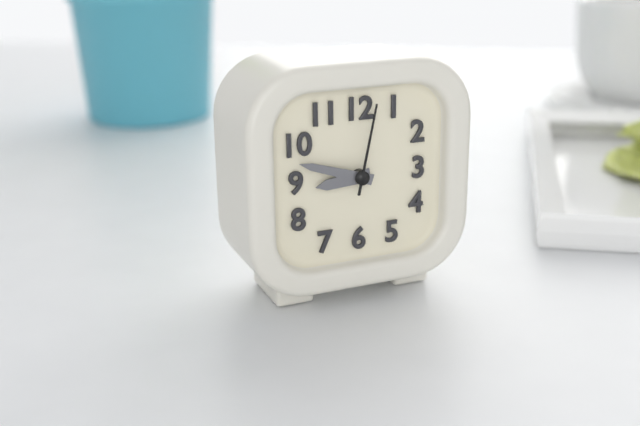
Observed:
{"hour": 8, "minute": 48, "second": 2}
